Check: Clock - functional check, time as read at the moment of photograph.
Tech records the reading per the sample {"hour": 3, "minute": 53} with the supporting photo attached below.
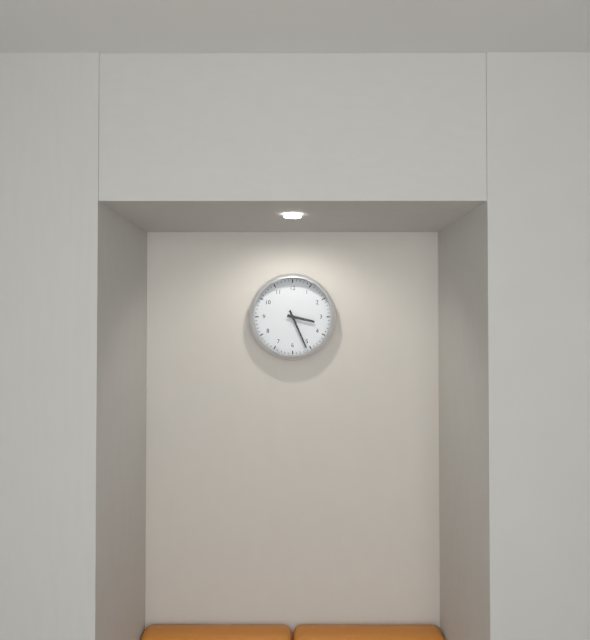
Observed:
{"hour": 3, "minute": 26}
